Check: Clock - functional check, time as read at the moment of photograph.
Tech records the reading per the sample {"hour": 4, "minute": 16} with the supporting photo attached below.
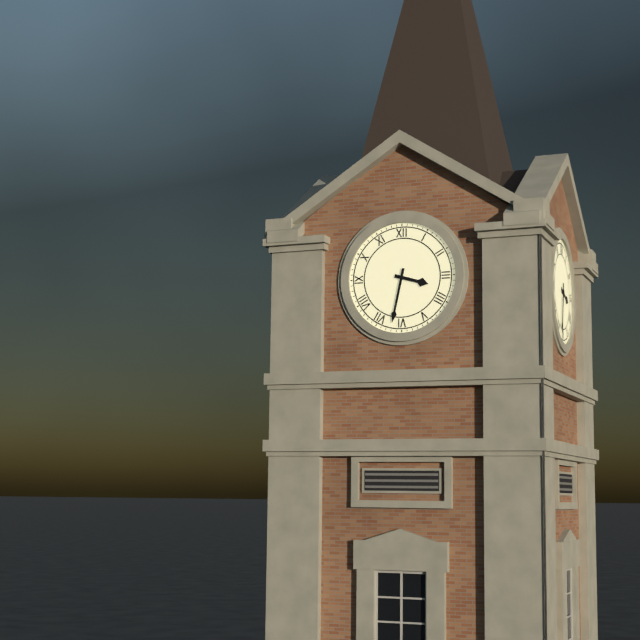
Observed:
{"hour": 3, "minute": 32}
